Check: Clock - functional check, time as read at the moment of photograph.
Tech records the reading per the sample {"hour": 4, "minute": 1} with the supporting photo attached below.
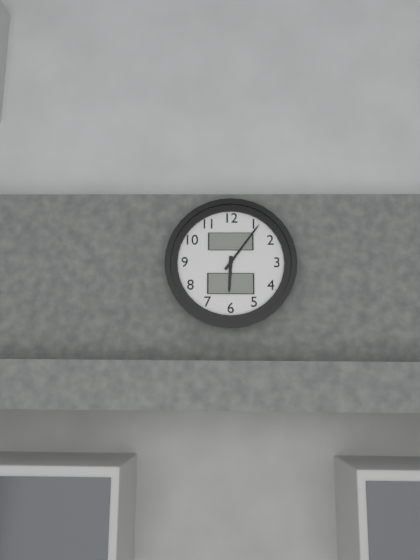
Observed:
{"hour": 6, "minute": 6}
